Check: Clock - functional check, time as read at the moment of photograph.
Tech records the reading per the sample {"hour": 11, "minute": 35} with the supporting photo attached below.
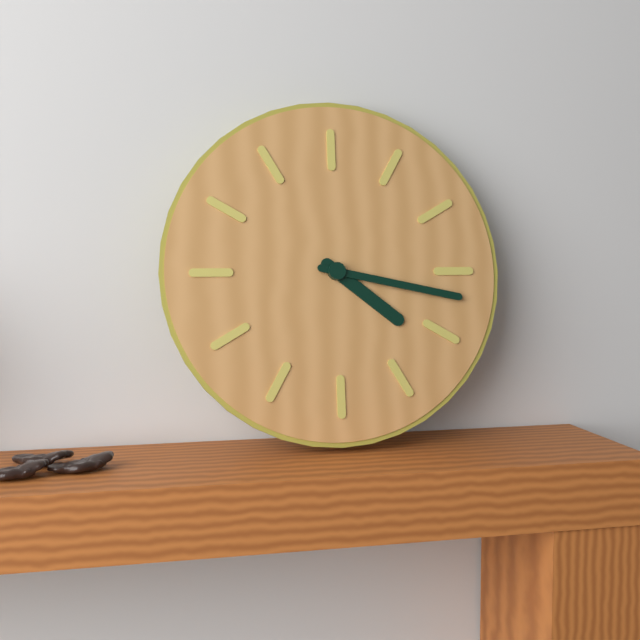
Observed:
{"hour": 4, "minute": 17}
